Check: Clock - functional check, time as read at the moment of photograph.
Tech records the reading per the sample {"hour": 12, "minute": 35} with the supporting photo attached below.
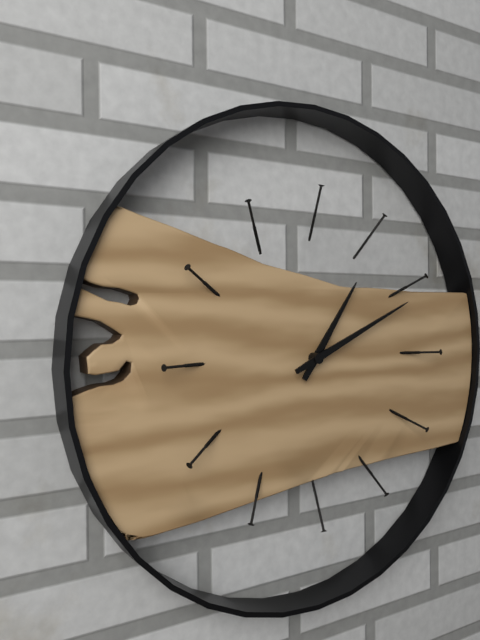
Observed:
{"hour": 1, "minute": 11}
